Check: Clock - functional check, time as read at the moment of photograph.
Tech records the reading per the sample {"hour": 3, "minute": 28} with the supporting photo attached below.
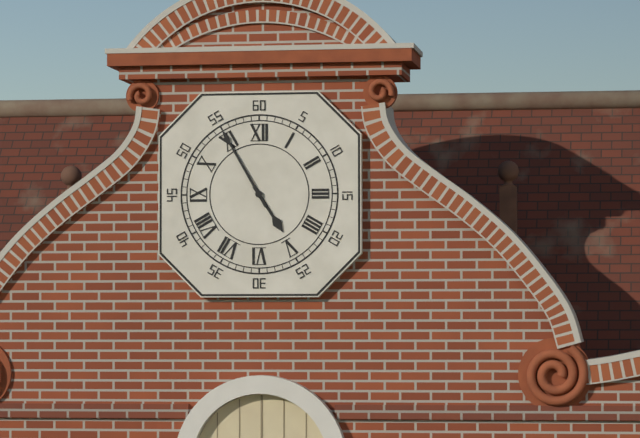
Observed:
{"hour": 4, "minute": 55}
